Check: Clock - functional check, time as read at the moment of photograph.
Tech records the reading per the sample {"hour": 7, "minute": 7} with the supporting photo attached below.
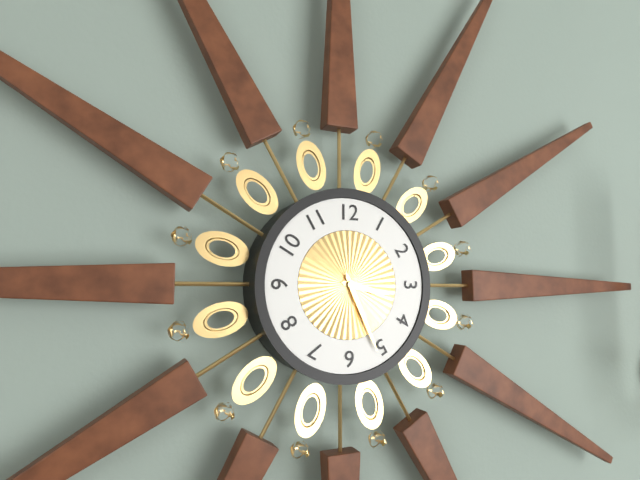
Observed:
{"hour": 3, "minute": 26}
